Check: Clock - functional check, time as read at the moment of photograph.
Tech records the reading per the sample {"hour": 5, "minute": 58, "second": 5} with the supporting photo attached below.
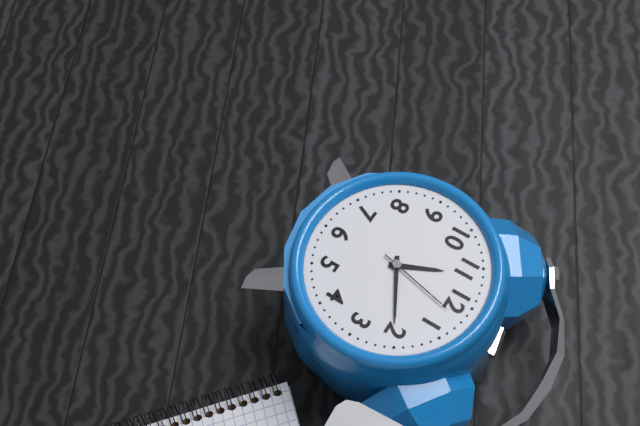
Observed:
{"hour": 11, "minute": 10, "second": 2}
